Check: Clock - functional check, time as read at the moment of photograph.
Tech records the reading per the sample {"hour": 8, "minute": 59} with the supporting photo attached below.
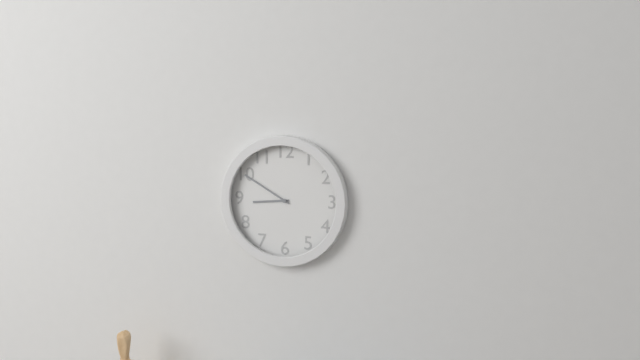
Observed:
{"hour": 8, "minute": 50}
